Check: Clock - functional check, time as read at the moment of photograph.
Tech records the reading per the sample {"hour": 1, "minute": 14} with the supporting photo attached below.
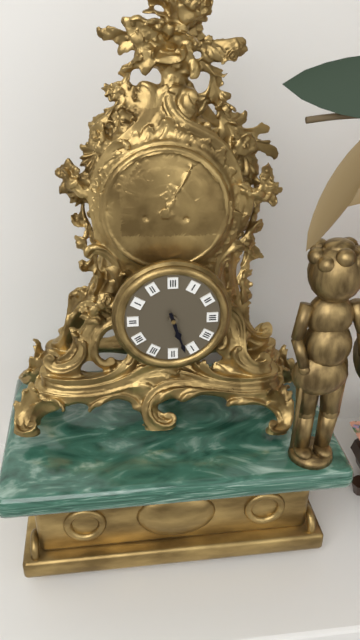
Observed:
{"hour": 5, "minute": 27}
